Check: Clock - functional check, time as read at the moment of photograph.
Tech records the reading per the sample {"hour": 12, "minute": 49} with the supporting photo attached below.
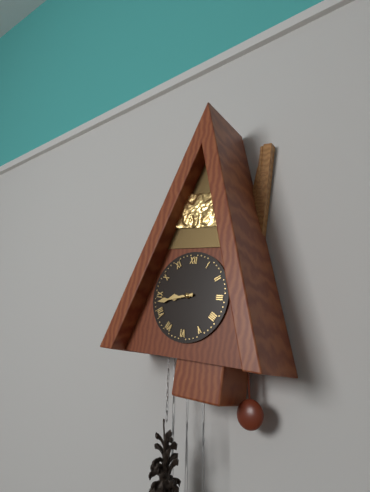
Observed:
{"hour": 8, "minute": 43}
